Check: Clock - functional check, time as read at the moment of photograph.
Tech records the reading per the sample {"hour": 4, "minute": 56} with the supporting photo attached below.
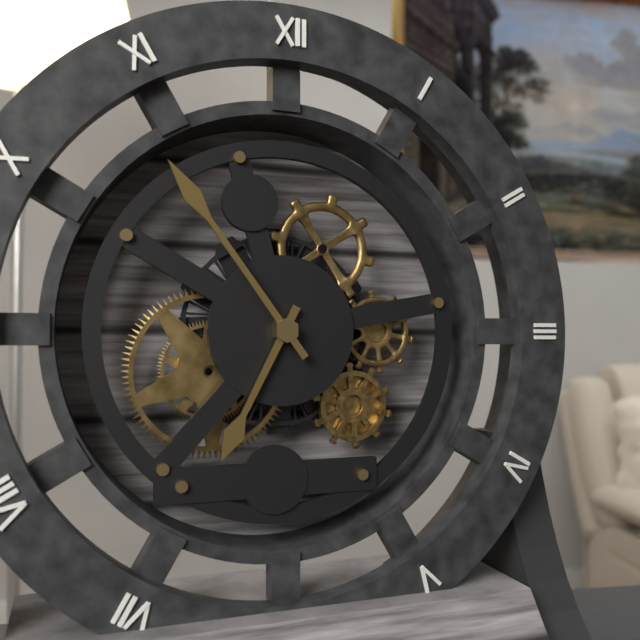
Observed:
{"hour": 6, "minute": 54}
